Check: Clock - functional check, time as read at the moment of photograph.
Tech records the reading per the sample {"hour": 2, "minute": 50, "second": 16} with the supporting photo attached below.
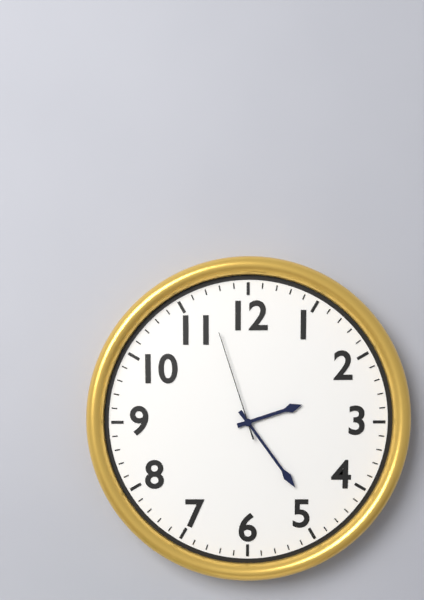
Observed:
{"hour": 2, "minute": 24, "second": 57}
